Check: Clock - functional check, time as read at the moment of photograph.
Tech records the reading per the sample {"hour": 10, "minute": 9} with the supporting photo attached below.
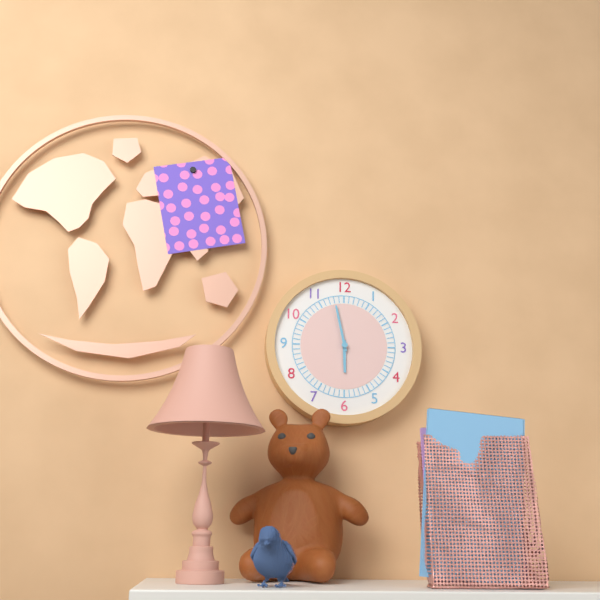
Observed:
{"hour": 5, "minute": 58}
